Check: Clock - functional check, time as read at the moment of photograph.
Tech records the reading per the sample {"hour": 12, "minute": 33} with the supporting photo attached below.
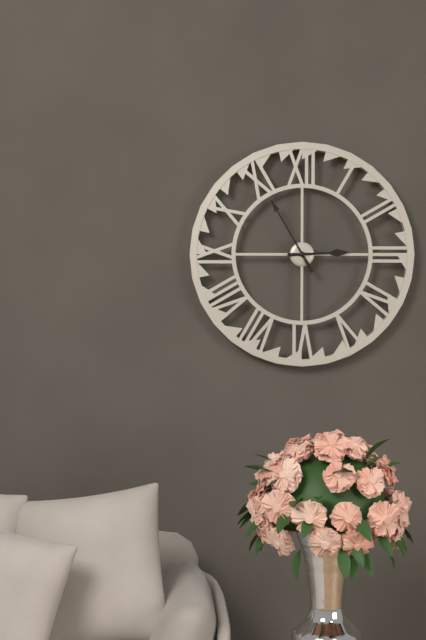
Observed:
{"hour": 2, "minute": 55}
